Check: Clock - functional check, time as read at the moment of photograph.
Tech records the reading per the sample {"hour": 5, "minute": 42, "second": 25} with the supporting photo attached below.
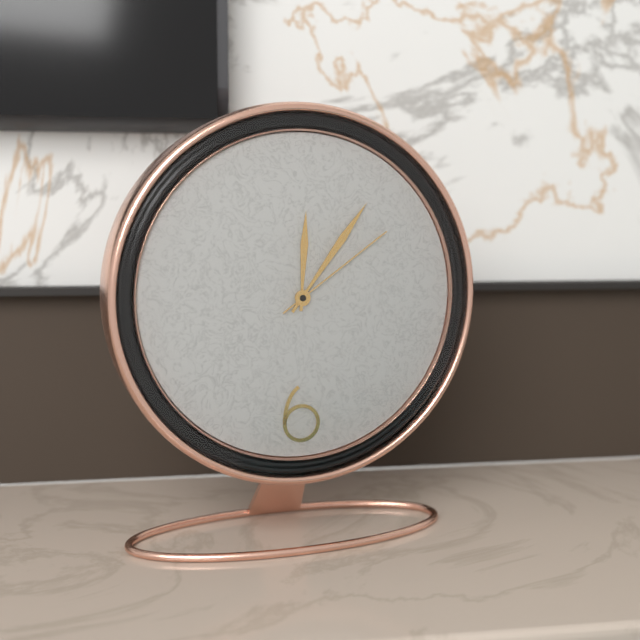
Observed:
{"hour": 12, "minute": 6, "second": 9}
